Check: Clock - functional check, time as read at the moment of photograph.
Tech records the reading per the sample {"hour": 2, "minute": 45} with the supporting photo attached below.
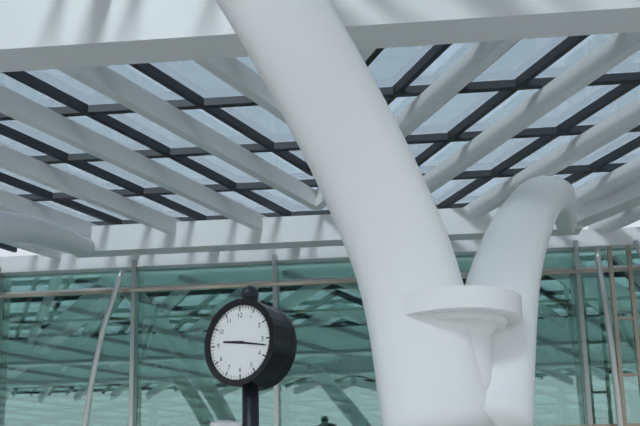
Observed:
{"hour": 9, "minute": 17}
